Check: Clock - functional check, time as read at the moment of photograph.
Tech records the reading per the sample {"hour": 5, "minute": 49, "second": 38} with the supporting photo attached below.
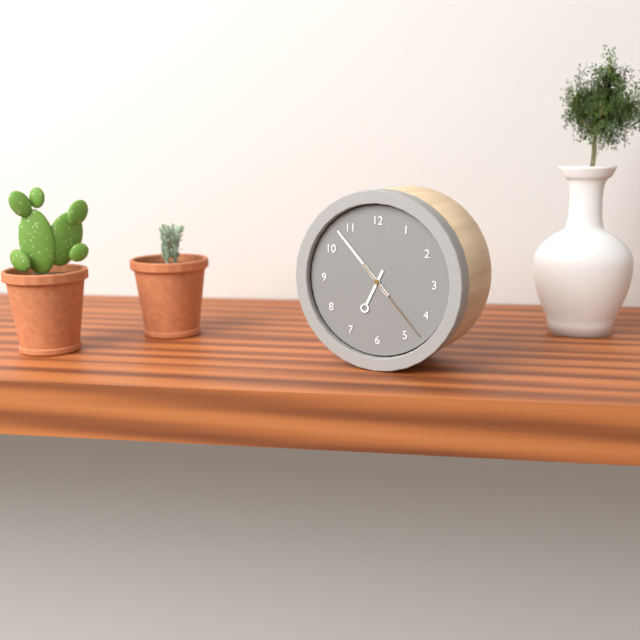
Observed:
{"hour": 6, "minute": 53, "second": 23}
